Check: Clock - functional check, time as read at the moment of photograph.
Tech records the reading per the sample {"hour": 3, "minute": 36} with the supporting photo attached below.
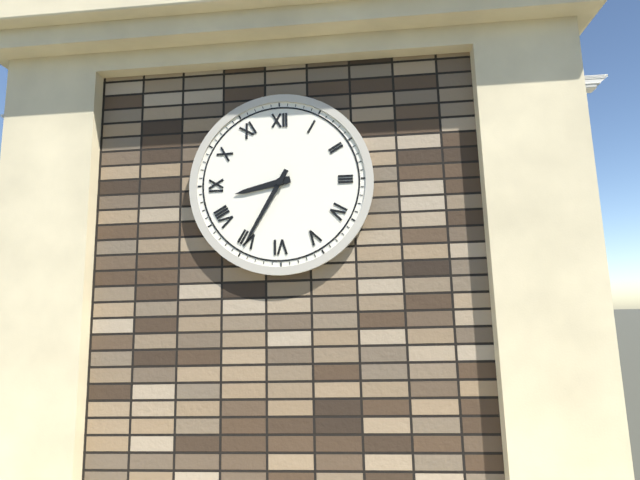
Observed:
{"hour": 8, "minute": 35}
